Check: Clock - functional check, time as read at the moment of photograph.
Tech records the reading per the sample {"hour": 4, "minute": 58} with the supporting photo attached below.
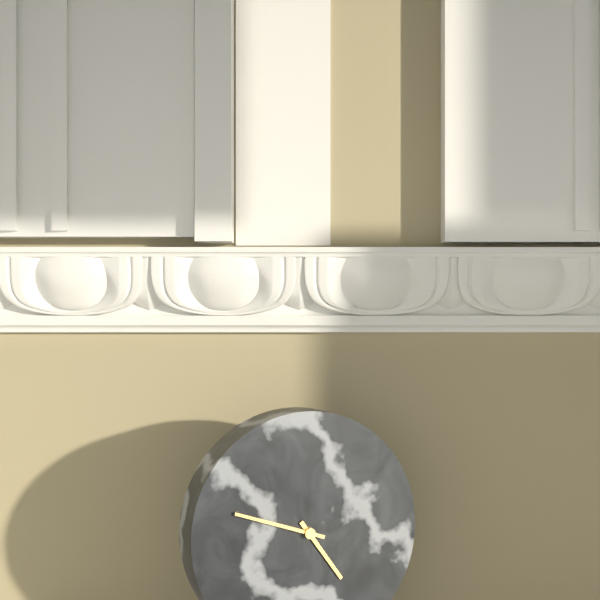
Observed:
{"hour": 4, "minute": 48}
